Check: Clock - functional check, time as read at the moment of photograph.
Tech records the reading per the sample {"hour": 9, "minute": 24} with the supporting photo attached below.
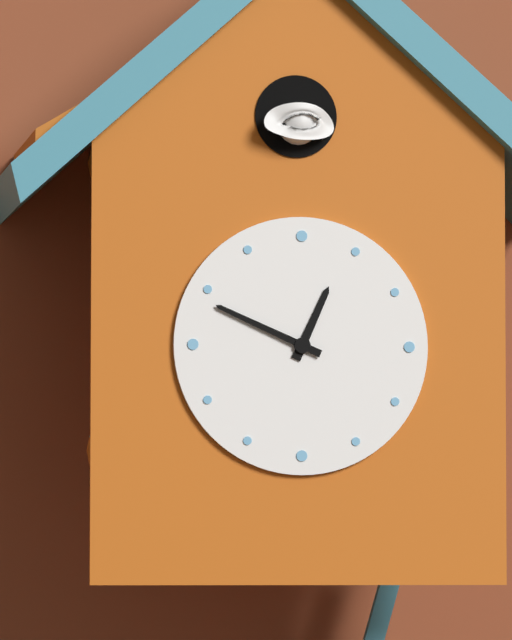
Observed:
{"hour": 12, "minute": 49}
